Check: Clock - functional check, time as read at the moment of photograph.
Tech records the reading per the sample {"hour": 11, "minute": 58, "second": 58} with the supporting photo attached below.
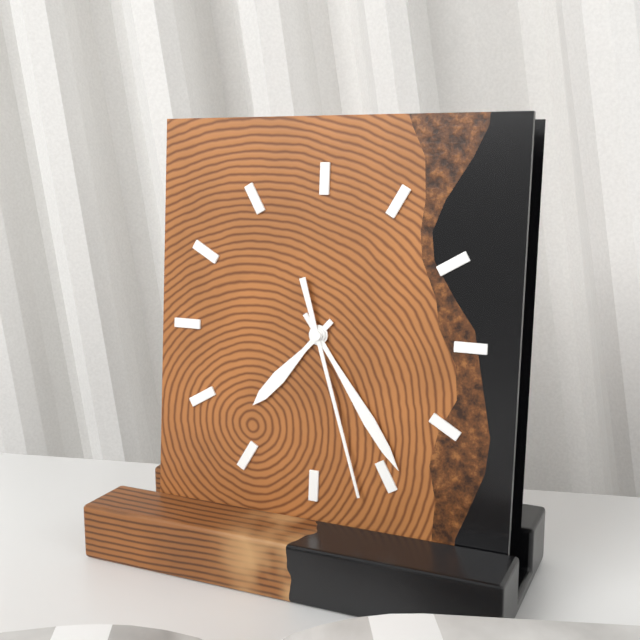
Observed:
{"hour": 7, "minute": 24, "second": 27}
